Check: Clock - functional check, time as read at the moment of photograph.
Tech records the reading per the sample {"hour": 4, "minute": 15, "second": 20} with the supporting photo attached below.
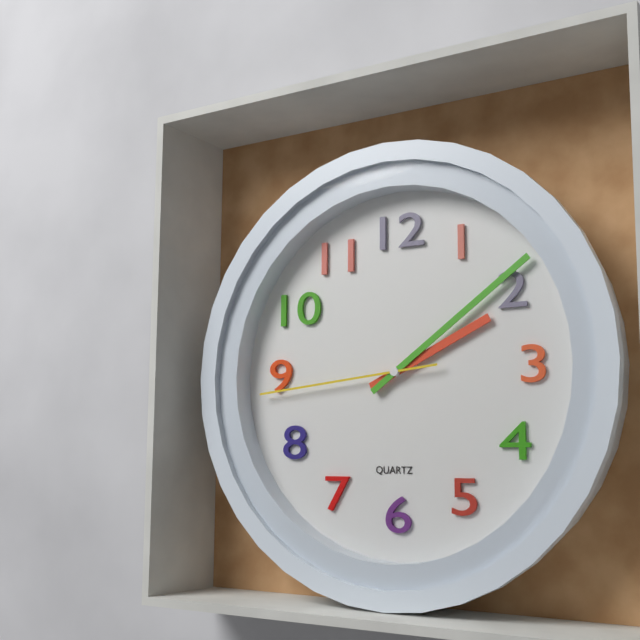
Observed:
{"hour": 2, "minute": 9, "second": 44}
